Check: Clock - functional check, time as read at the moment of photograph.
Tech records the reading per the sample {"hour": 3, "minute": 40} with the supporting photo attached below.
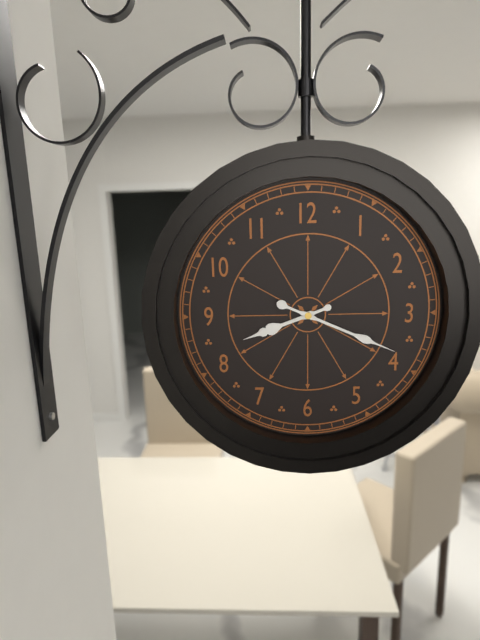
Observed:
{"hour": 8, "minute": 19}
